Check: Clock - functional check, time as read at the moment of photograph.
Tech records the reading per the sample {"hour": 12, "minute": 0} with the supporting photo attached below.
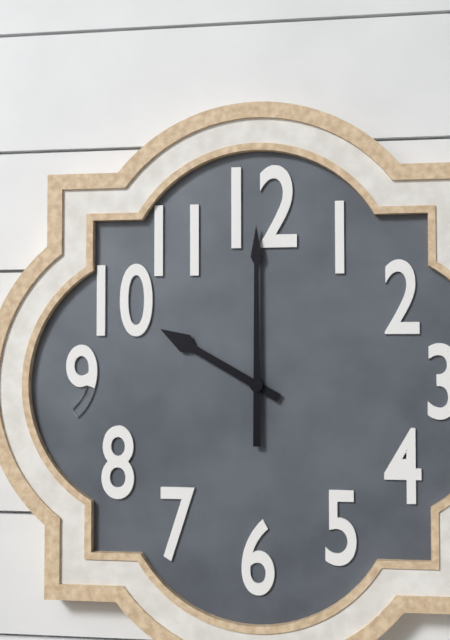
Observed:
{"hour": 10, "minute": 0}
